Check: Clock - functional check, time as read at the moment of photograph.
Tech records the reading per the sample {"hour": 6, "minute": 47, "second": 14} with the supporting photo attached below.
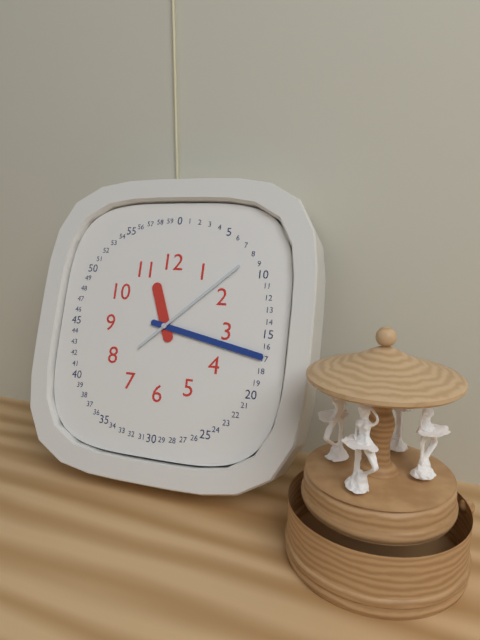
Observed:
{"hour": 11, "minute": 17, "second": 8}
